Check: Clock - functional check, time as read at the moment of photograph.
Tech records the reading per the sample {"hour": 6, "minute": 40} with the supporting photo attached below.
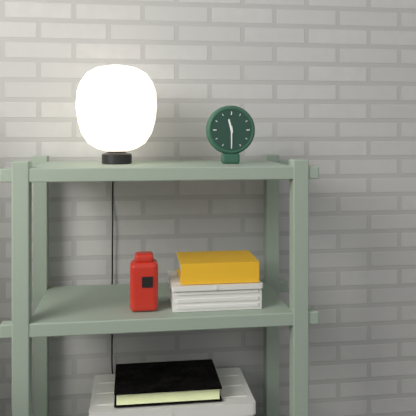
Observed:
{"hour": 11, "minute": 30}
